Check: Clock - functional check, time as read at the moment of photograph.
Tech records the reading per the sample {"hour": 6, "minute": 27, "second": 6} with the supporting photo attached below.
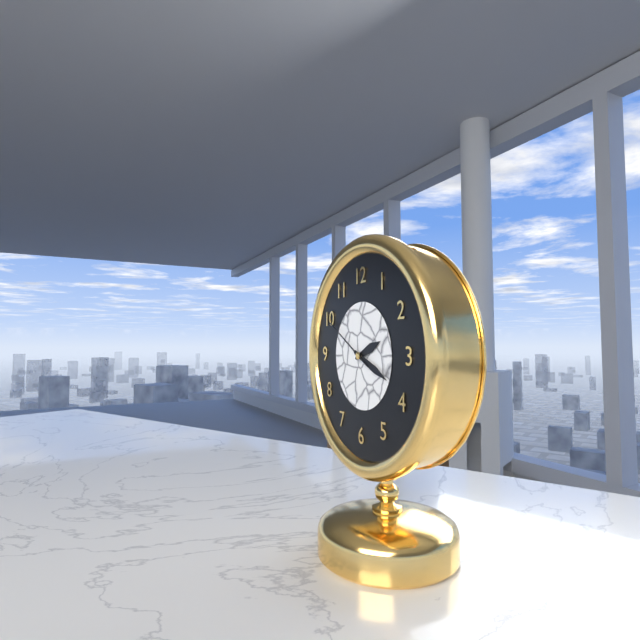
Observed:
{"hour": 2, "minute": 19, "second": 50}
